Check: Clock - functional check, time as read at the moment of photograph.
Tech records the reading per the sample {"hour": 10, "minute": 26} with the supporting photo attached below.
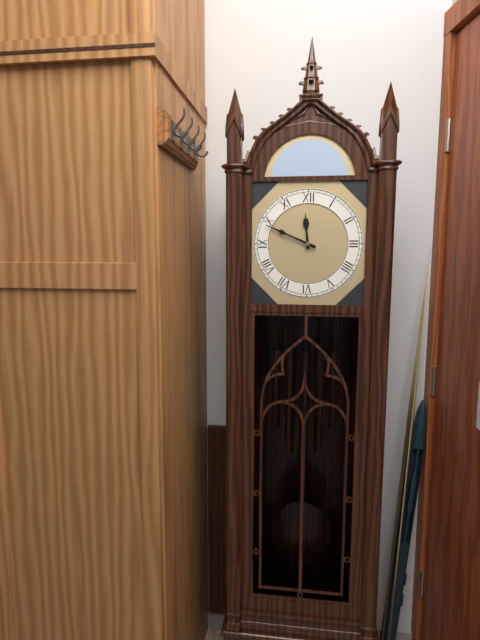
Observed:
{"hour": 11, "minute": 49}
